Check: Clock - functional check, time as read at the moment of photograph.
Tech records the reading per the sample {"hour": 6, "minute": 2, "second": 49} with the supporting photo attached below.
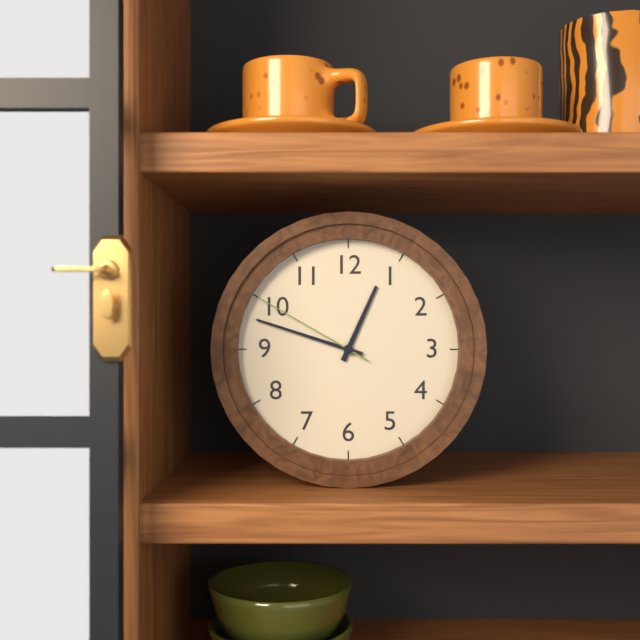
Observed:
{"hour": 12, "minute": 48, "second": 50}
